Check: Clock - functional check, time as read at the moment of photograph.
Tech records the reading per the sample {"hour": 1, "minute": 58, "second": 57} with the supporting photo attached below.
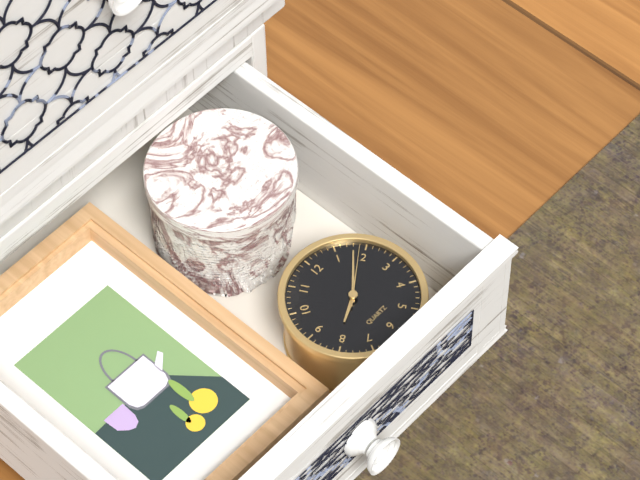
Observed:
{"hour": 8, "minute": 8, "second": 9}
